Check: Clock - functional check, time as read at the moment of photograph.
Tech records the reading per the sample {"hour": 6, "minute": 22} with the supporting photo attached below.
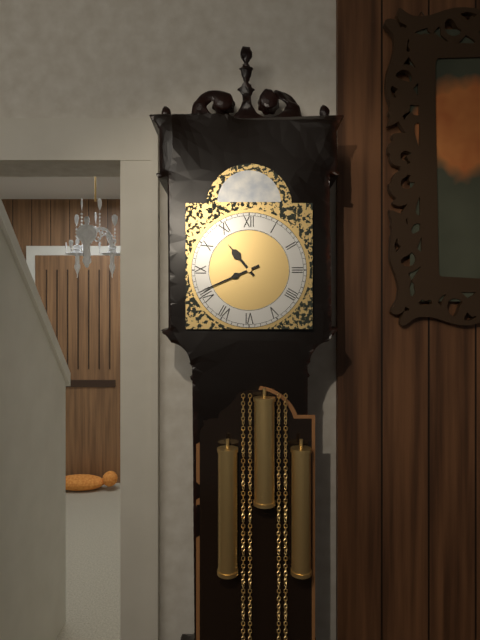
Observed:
{"hour": 10, "minute": 41}
